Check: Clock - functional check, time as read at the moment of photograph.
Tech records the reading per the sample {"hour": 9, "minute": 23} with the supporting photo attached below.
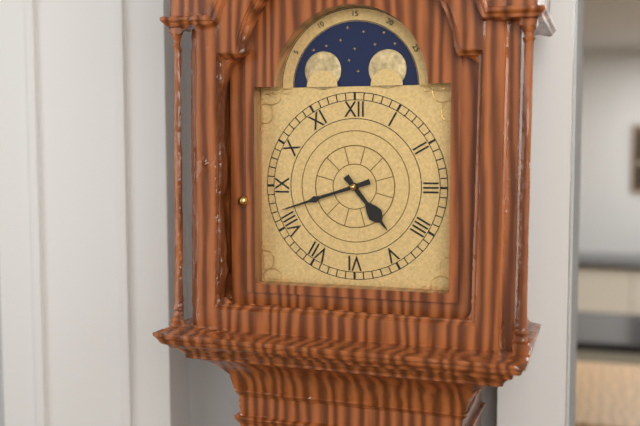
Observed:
{"hour": 4, "minute": 42}
